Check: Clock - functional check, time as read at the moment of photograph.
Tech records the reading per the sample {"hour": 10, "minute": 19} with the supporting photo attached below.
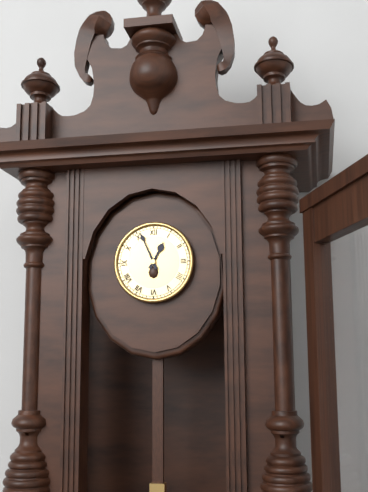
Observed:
{"hour": 12, "minute": 56}
